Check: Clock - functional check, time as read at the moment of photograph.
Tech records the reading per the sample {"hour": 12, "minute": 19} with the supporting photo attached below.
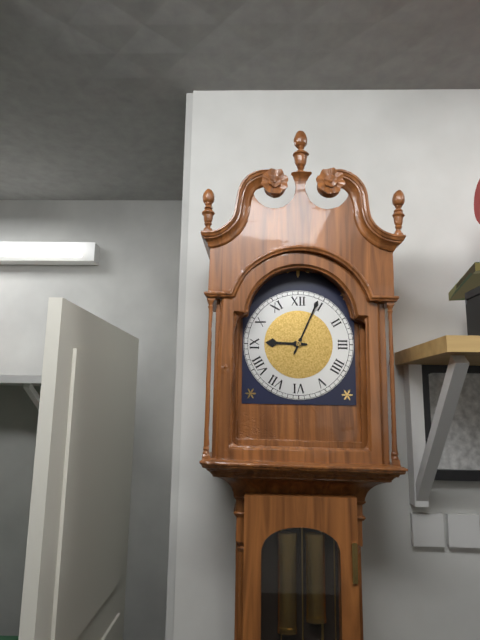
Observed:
{"hour": 9, "minute": 4}
